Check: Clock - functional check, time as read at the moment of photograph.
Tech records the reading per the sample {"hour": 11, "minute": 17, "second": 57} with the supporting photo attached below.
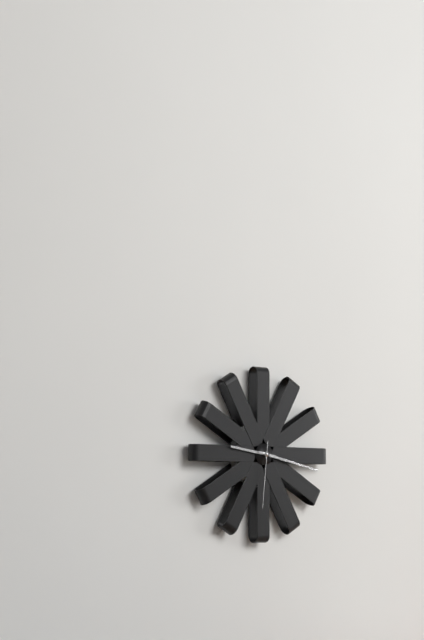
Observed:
{"hour": 9, "minute": 17, "second": 31}
